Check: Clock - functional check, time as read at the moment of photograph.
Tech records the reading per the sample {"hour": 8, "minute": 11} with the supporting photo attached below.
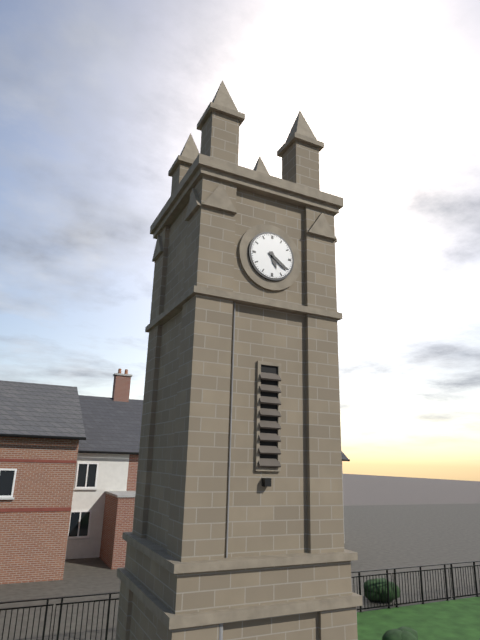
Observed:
{"hour": 5, "minute": 21}
